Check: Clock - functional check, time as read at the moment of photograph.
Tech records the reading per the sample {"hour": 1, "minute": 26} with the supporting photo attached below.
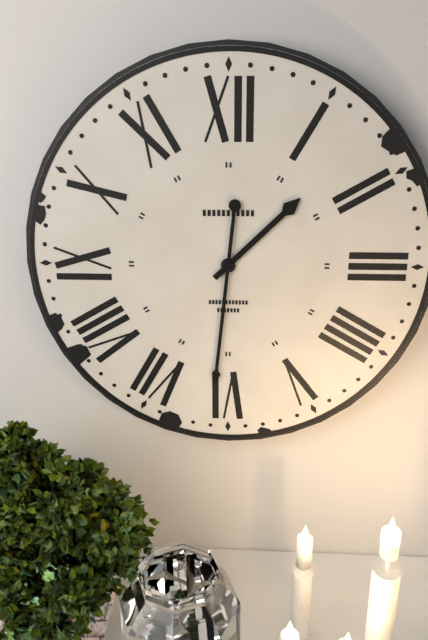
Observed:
{"hour": 1, "minute": 31}
